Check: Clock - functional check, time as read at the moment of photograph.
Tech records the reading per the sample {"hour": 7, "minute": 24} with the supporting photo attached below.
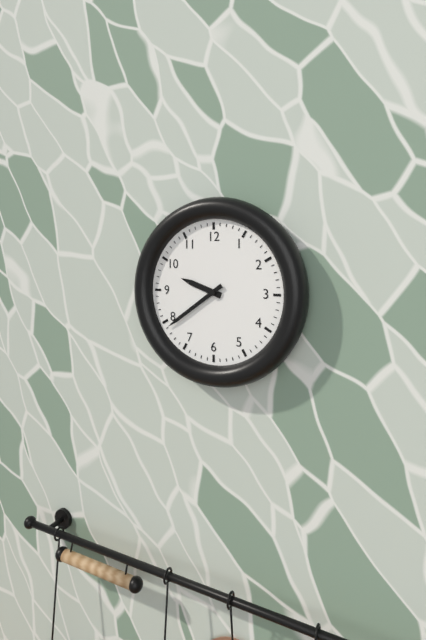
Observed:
{"hour": 9, "minute": 39}
